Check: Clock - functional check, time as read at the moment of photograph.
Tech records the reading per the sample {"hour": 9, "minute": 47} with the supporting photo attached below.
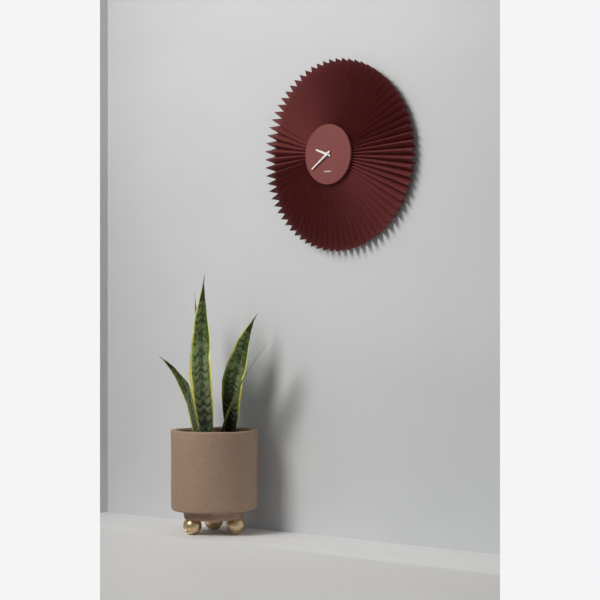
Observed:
{"hour": 9, "minute": 39}
